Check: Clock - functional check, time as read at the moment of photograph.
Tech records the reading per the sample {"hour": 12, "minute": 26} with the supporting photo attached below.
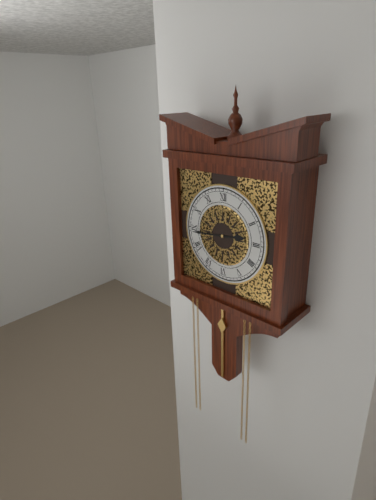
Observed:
{"hour": 2, "minute": 44}
